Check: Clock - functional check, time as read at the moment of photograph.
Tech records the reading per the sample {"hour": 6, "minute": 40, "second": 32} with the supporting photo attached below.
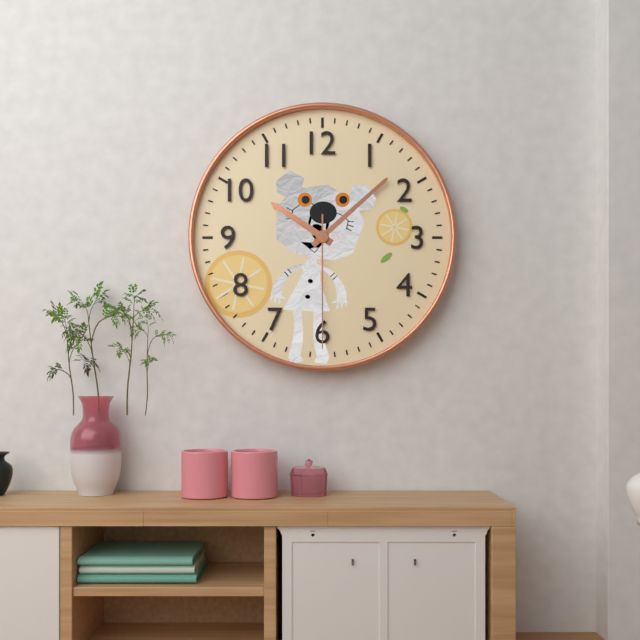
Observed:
{"hour": 10, "minute": 8, "second": 30}
